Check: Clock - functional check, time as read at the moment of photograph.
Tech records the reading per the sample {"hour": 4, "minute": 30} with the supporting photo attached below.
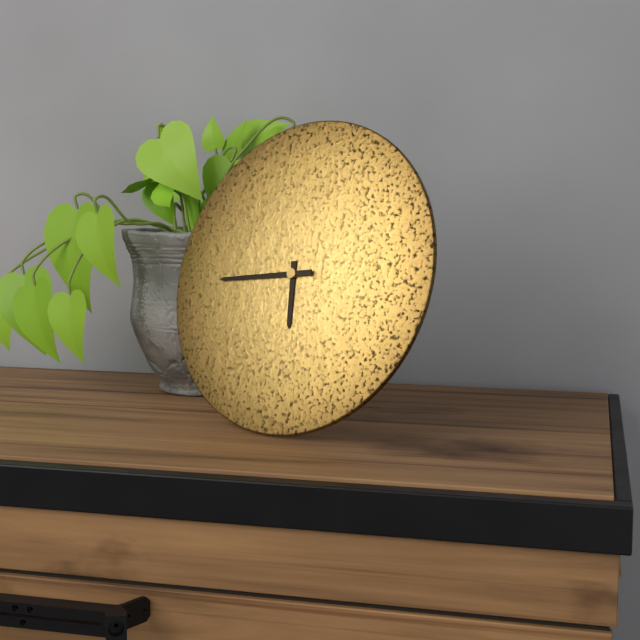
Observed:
{"hour": 5, "minute": 44}
